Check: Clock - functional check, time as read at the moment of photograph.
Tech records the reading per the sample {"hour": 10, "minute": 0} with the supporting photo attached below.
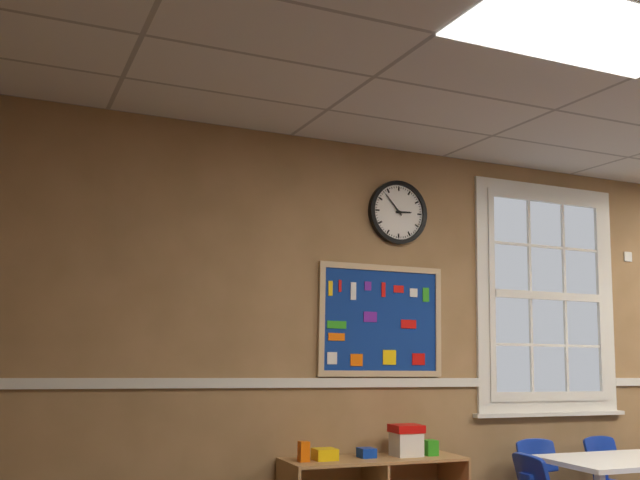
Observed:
{"hour": 2, "minute": 53}
